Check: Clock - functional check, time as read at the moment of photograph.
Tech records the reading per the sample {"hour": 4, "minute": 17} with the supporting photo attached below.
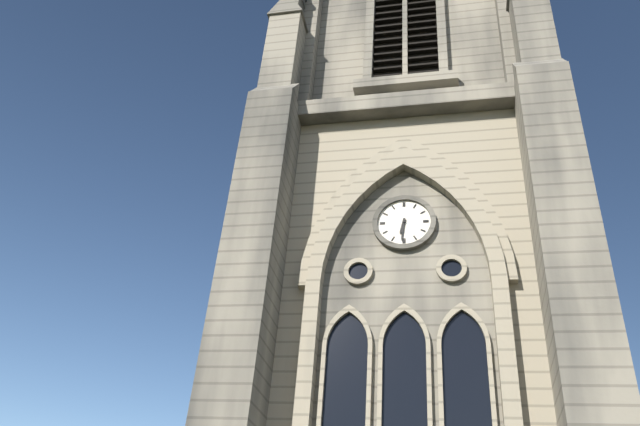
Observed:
{"hour": 6, "minute": 31}
